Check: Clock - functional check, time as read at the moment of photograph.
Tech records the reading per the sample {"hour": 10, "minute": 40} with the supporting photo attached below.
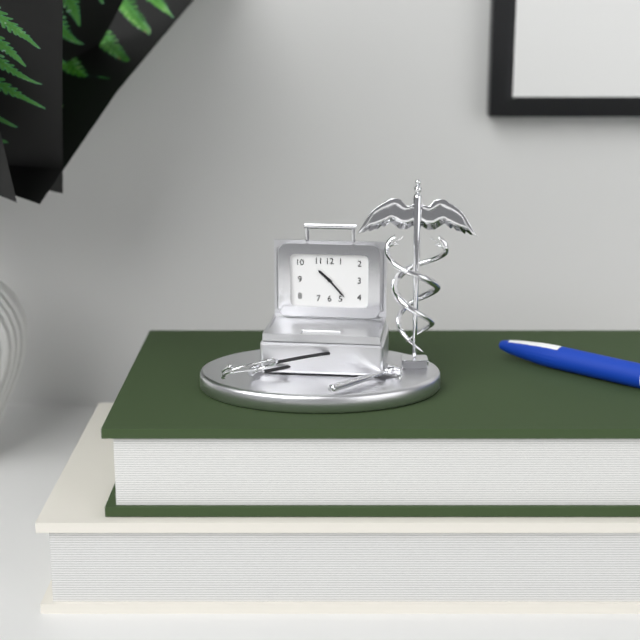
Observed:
{"hour": 10, "minute": 23}
